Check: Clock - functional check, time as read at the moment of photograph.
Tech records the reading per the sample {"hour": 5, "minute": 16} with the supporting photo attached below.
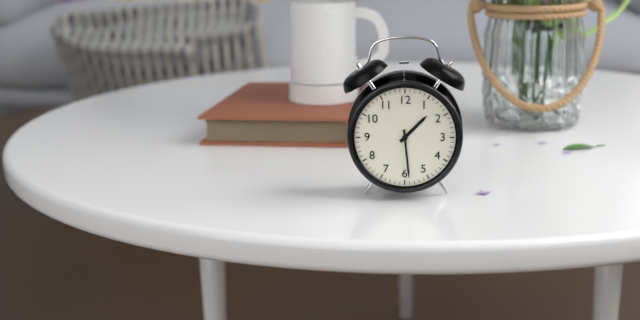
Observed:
{"hour": 1, "minute": 29}
